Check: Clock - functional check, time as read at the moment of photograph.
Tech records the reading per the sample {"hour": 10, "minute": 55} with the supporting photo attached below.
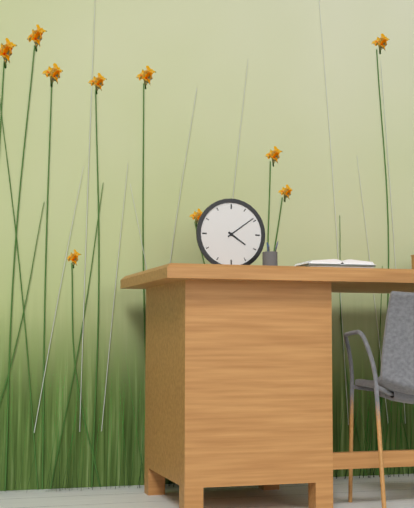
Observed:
{"hour": 4, "minute": 9}
